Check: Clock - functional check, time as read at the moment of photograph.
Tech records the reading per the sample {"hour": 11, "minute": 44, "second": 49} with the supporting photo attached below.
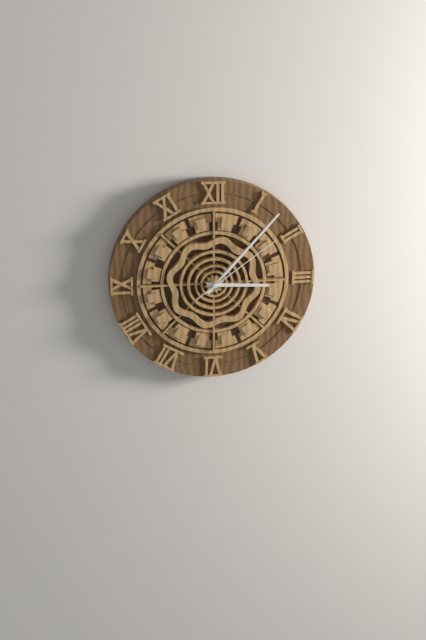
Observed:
{"hour": 3, "minute": 7, "second": 9}
